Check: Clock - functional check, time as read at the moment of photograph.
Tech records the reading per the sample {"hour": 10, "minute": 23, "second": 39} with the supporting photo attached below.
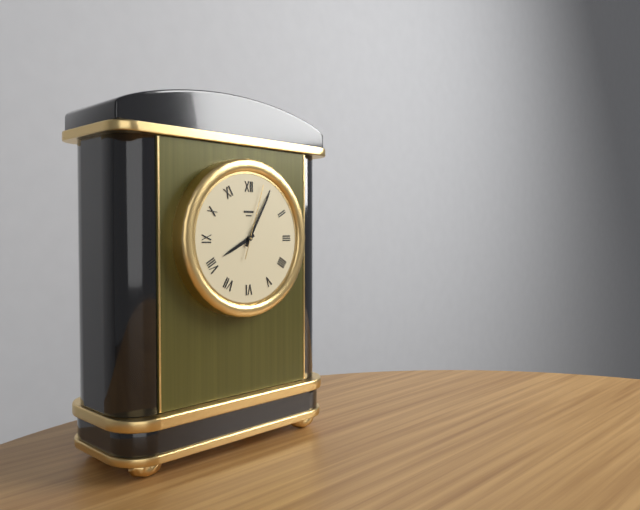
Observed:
{"hour": 8, "minute": 5, "second": 3}
